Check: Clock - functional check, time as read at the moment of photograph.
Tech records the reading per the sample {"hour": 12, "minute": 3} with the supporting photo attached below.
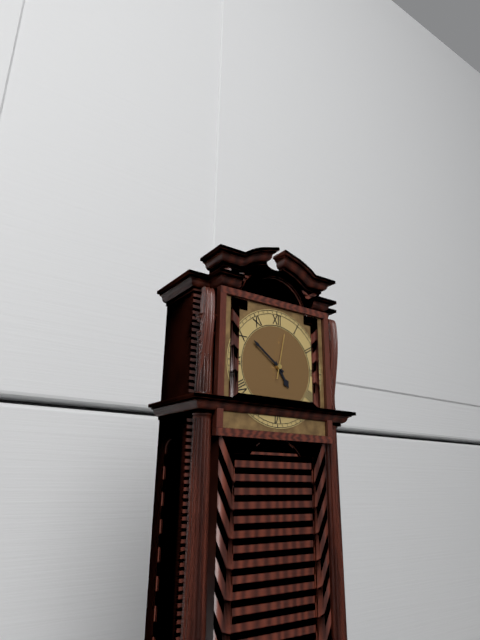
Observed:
{"hour": 4, "minute": 51}
